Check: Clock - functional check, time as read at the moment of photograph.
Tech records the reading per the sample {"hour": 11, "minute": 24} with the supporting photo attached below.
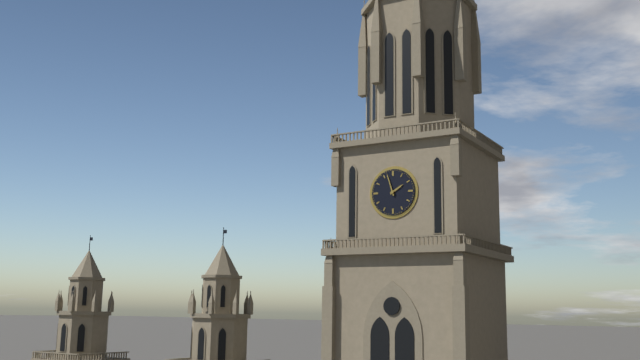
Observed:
{"hour": 1, "minute": 57}
